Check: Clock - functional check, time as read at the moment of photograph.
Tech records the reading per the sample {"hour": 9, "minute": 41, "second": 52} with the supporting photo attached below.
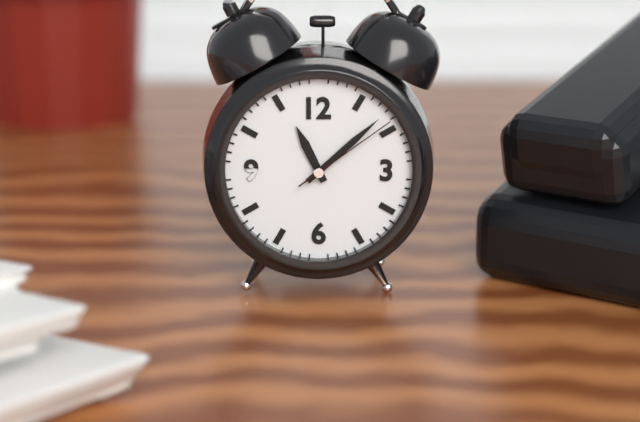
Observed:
{"hour": 11, "minute": 8, "second": 9}
